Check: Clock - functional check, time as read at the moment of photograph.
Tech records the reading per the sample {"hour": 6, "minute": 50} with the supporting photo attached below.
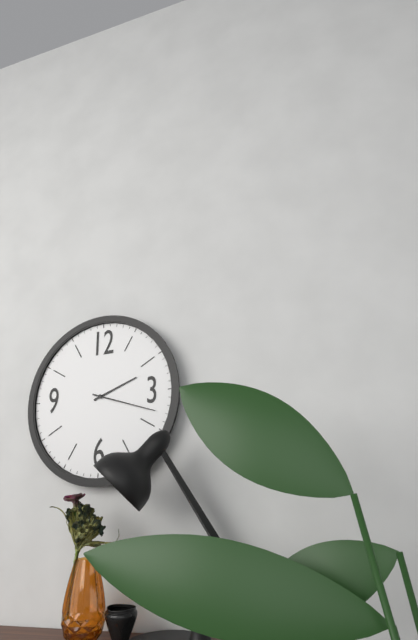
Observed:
{"hour": 2, "minute": 18}
